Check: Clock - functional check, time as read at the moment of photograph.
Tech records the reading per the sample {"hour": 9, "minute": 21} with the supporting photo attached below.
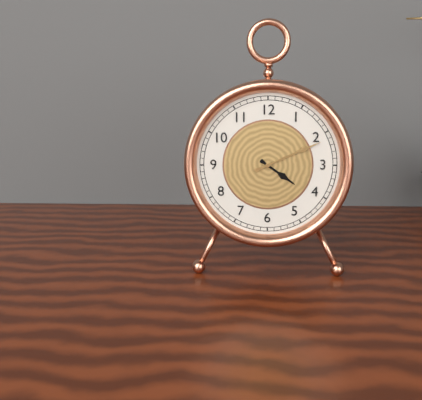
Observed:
{"hour": 4, "minute": 11}
